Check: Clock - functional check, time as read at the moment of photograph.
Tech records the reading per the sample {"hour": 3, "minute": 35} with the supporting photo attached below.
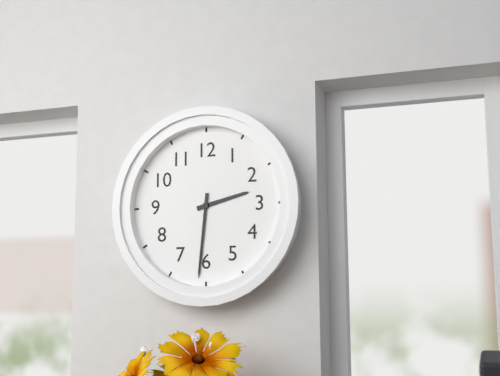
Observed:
{"hour": 2, "minute": 31}
